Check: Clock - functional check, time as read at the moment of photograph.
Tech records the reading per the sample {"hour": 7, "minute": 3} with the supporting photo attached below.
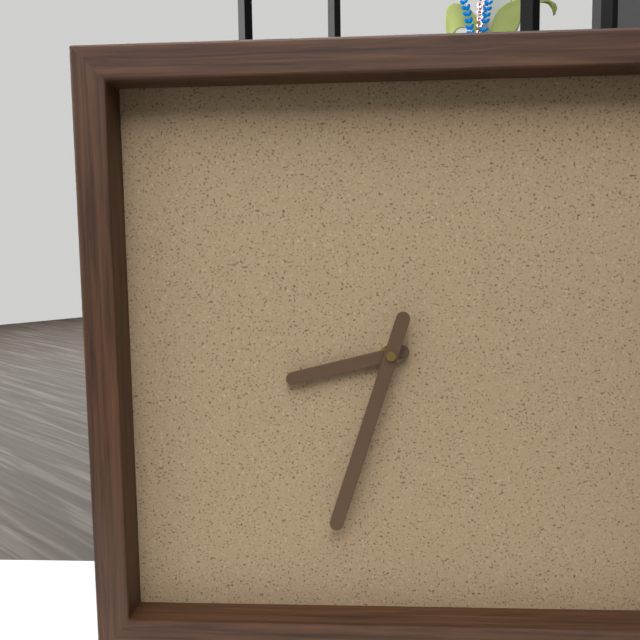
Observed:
{"hour": 8, "minute": 33}
